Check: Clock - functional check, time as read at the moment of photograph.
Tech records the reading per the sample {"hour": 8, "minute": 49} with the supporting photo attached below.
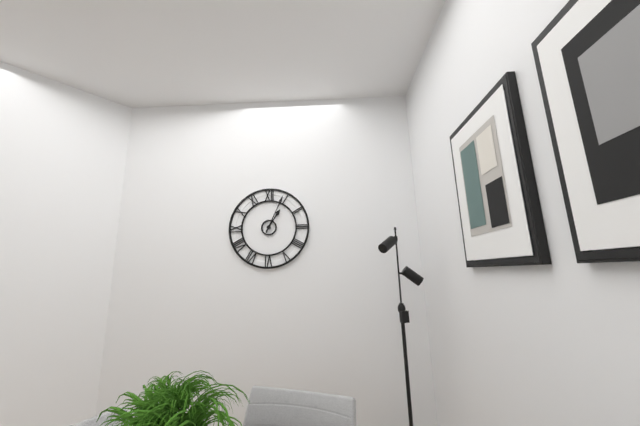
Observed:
{"hour": 1, "minute": 4}
